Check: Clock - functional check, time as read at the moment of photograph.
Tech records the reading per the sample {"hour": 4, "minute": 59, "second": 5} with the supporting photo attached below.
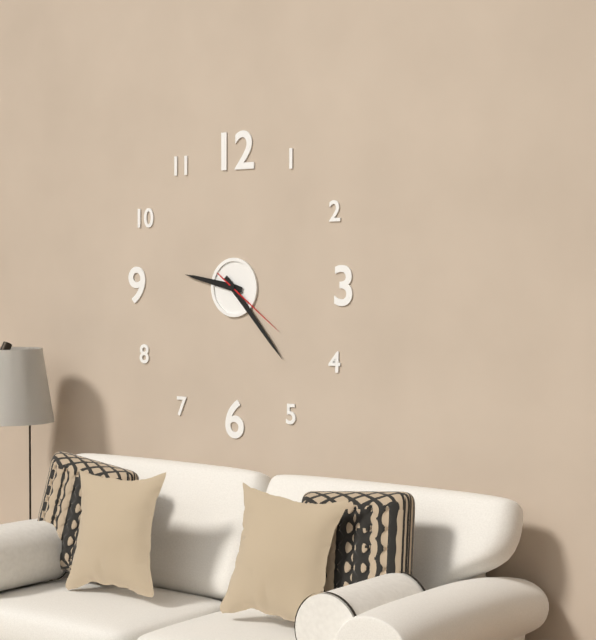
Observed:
{"hour": 9, "minute": 23, "second": 21}
